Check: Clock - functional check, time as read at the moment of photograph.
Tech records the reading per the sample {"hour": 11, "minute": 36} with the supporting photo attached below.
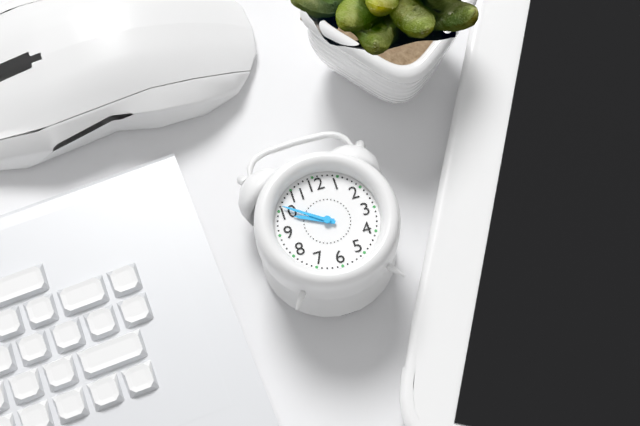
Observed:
{"hour": 9, "minute": 51}
